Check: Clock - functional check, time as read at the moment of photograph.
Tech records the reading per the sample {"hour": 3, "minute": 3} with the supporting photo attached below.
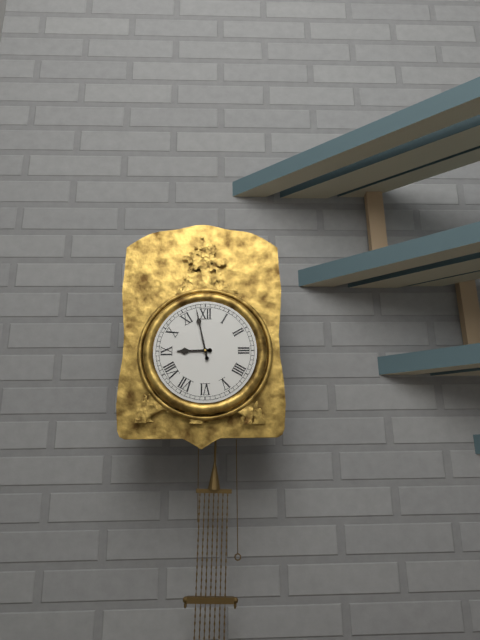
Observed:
{"hour": 8, "minute": 58}
